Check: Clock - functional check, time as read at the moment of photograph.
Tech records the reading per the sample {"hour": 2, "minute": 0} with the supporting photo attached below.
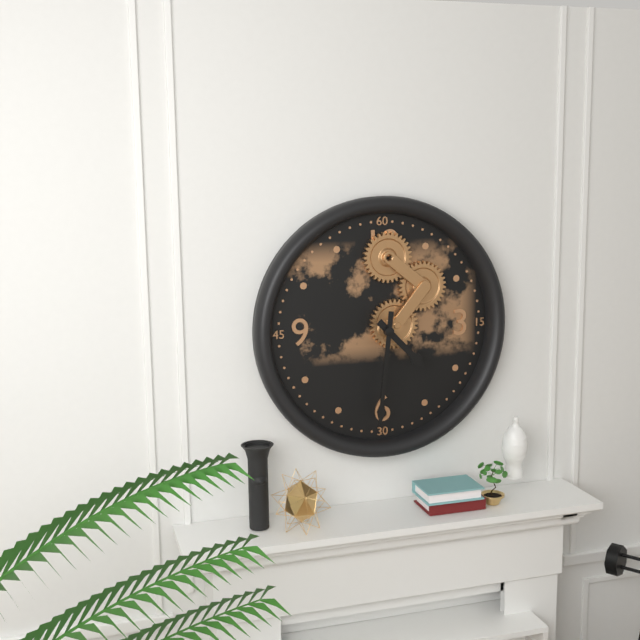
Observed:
{"hour": 4, "minute": 31}
